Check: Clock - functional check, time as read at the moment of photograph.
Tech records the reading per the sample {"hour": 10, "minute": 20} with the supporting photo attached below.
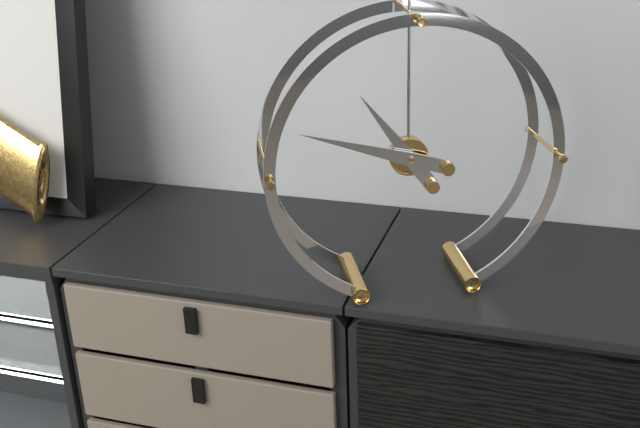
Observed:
{"hour": 10, "minute": 48}
